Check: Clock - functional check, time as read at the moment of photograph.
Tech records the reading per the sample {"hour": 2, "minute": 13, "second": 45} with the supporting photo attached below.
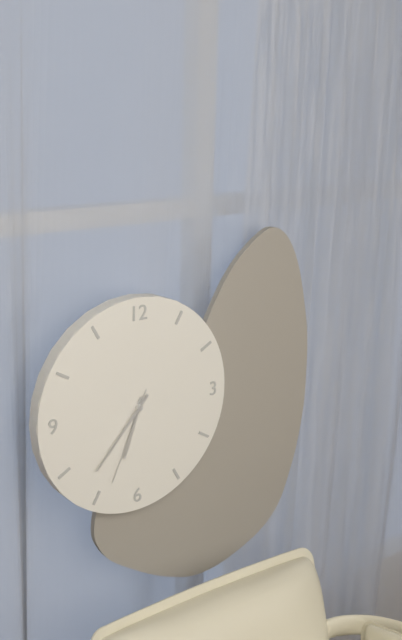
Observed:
{"hour": 6, "minute": 37, "second": 34}
